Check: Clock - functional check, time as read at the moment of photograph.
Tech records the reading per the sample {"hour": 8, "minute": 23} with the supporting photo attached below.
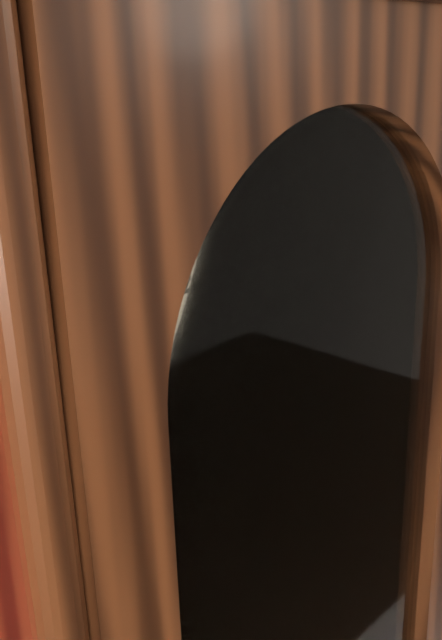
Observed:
{"hour": 12, "minute": 7}
